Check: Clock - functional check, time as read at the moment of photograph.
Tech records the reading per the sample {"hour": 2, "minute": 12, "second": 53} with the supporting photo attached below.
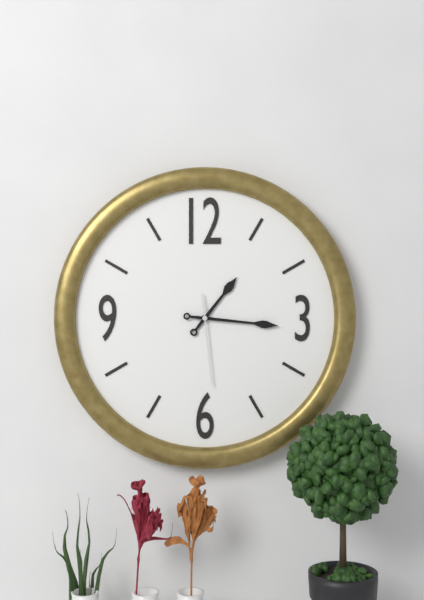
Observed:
{"hour": 1, "minute": 16, "second": 29}
